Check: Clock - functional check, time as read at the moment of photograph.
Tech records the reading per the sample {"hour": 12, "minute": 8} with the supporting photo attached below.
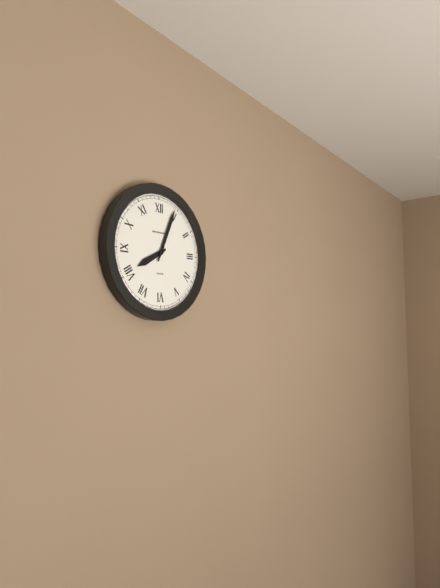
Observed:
{"hour": 8, "minute": 4}
